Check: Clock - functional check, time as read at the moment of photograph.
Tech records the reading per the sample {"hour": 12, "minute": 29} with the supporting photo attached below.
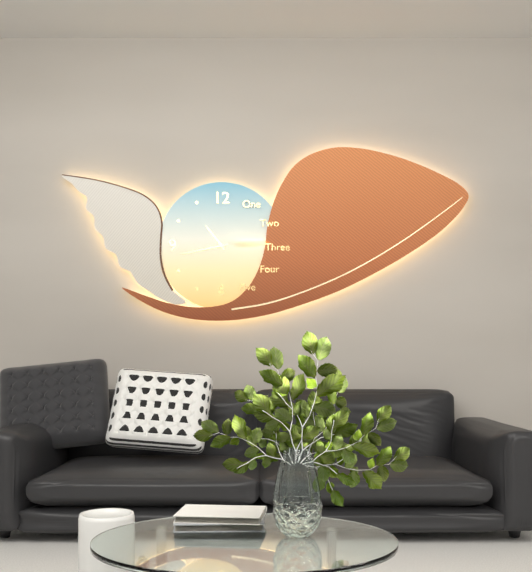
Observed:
{"hour": 10, "minute": 43}
